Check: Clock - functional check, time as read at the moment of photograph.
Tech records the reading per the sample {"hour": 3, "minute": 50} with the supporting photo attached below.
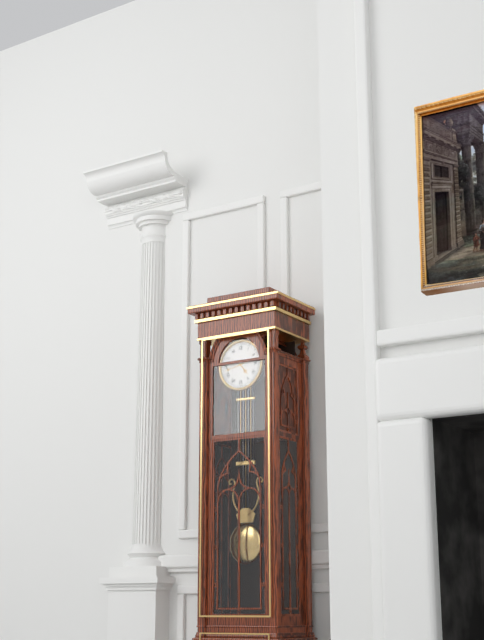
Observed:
{"hour": 4, "minute": 43}
